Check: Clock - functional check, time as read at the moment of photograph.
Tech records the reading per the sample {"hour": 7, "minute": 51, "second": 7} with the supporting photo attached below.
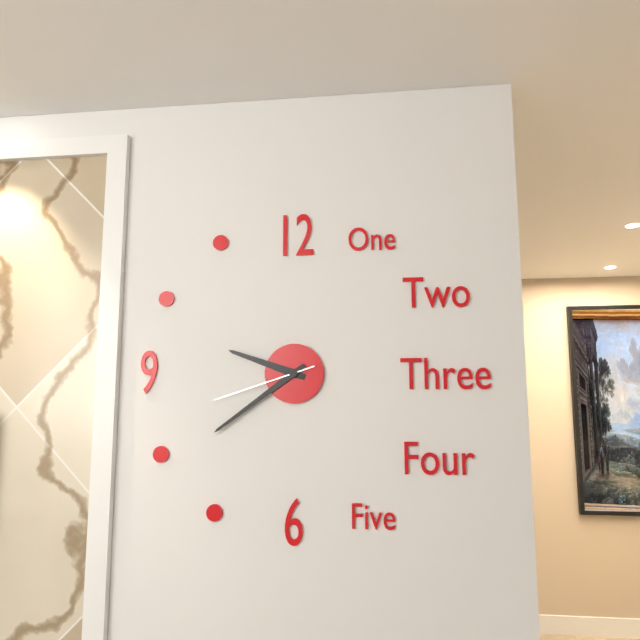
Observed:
{"hour": 9, "minute": 39, "second": 42}
